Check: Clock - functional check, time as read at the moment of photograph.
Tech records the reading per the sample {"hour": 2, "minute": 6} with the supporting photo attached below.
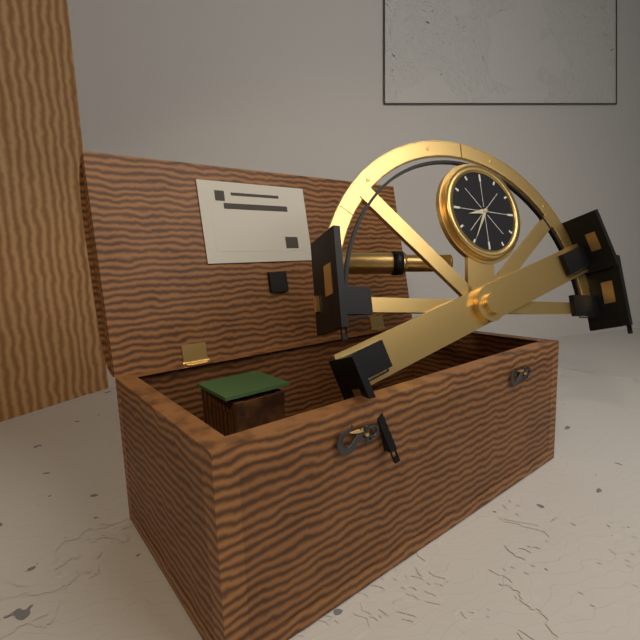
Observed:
{"hour": 8, "minute": 35}
